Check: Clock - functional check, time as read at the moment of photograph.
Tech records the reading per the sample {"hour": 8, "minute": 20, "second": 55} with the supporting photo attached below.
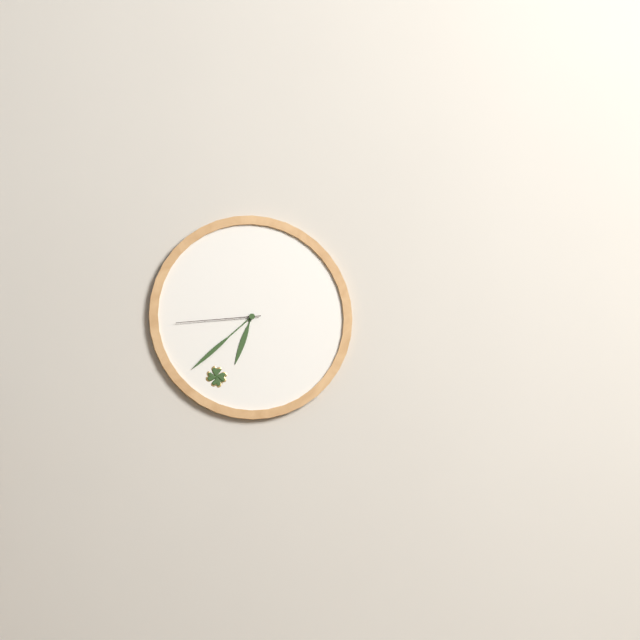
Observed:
{"hour": 6, "minute": 38, "second": 44}
